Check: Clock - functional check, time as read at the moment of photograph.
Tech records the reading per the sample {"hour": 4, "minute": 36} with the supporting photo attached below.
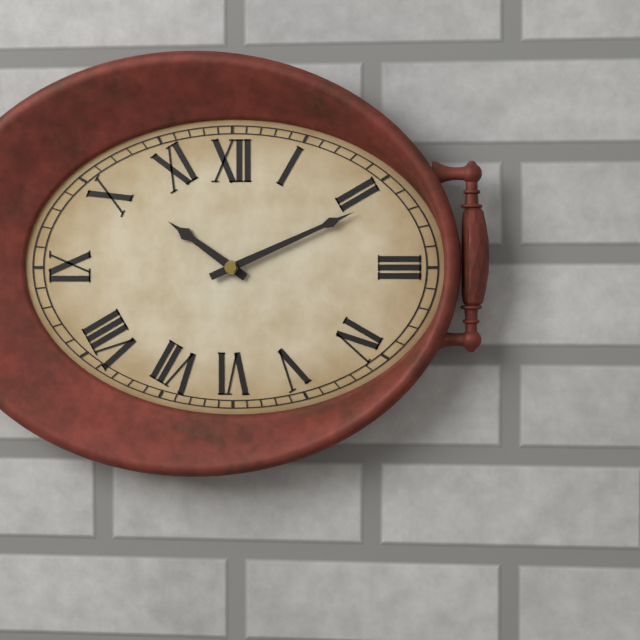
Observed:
{"hour": 10, "minute": 11}
